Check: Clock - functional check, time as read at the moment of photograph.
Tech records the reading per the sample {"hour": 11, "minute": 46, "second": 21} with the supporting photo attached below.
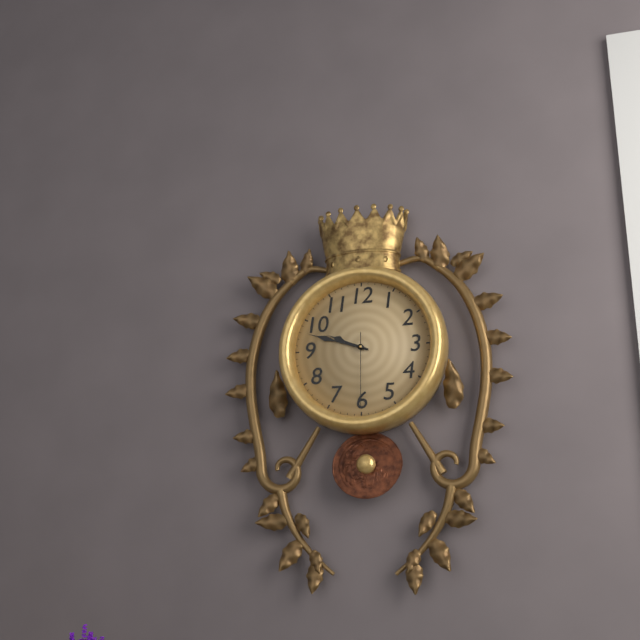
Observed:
{"hour": 9, "minute": 48, "second": 30}
